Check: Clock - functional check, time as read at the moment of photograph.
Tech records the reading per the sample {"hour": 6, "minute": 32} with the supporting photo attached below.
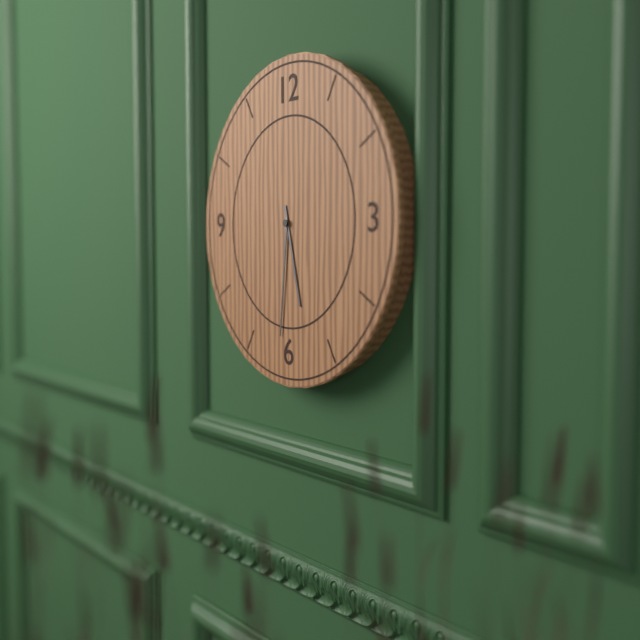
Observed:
{"hour": 5, "minute": 31}
